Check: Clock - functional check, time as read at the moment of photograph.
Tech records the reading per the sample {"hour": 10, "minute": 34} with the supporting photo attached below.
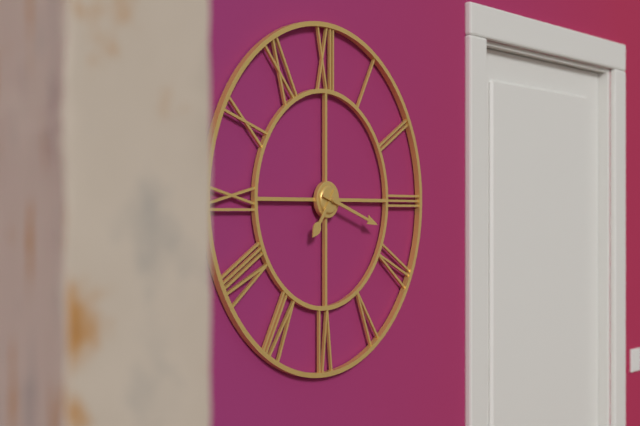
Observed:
{"hour": 7, "minute": 18}
